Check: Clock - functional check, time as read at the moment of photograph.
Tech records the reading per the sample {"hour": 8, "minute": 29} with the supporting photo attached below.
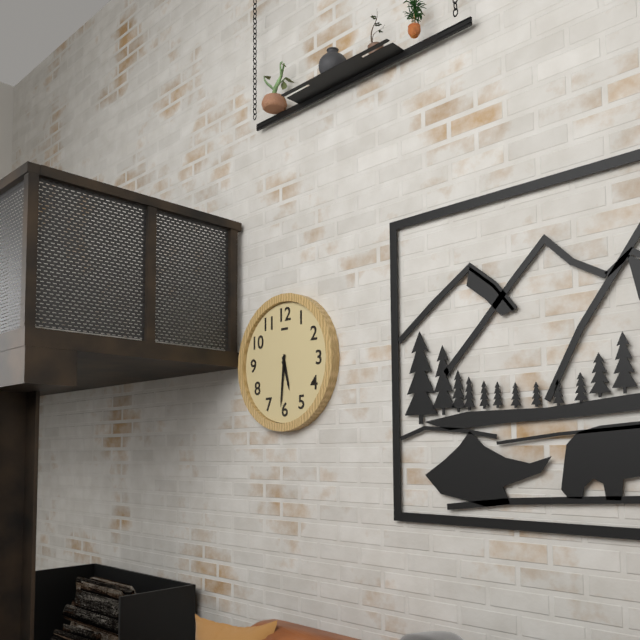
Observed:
{"hour": 5, "minute": 31}
